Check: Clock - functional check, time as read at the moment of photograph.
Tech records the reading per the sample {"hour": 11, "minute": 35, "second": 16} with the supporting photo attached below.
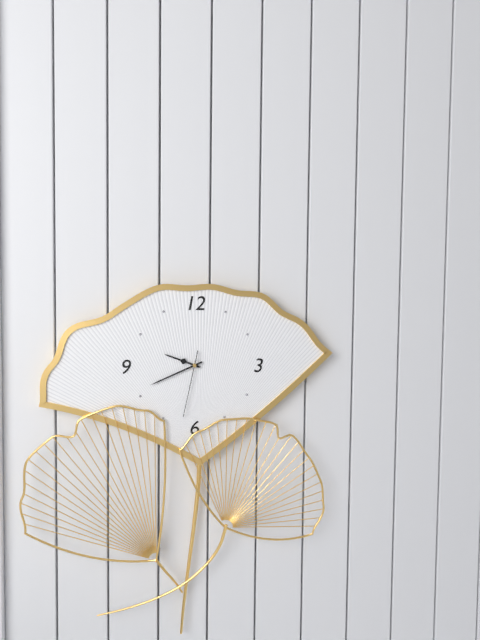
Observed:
{"hour": 9, "minute": 41, "second": 32}
